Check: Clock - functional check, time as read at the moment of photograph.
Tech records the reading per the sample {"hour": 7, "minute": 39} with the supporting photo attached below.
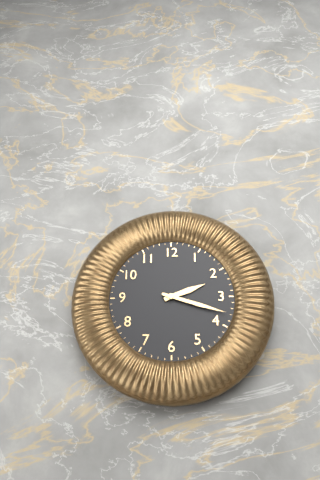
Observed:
{"hour": 2, "minute": 18}
